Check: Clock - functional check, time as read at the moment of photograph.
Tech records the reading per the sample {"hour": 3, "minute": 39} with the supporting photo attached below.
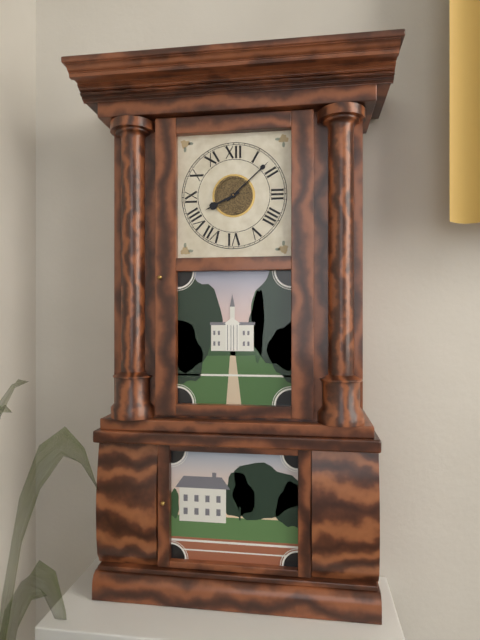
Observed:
{"hour": 8, "minute": 8}
